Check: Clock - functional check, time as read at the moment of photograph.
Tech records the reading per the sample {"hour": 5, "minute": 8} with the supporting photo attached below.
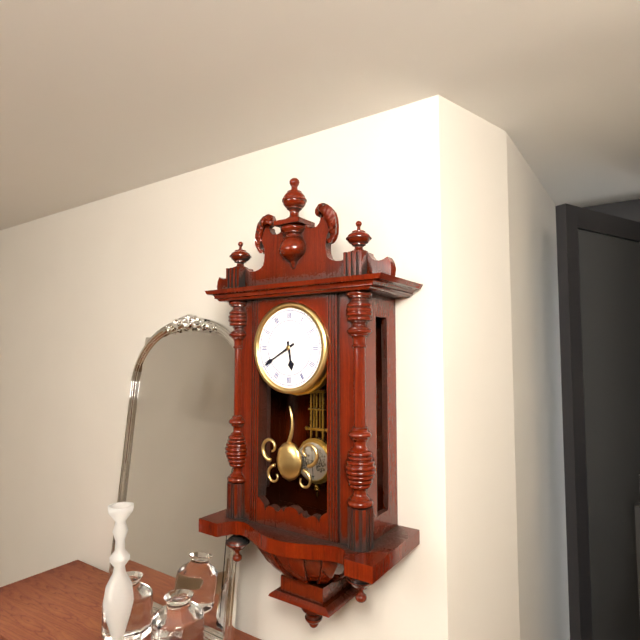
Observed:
{"hour": 5, "minute": 40}
